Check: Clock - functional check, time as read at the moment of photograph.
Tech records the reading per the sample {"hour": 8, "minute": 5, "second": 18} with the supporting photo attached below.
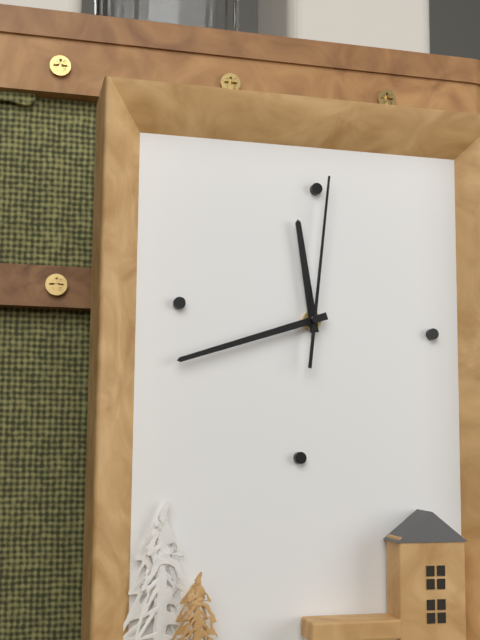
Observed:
{"hour": 11, "minute": 42, "second": 1}
